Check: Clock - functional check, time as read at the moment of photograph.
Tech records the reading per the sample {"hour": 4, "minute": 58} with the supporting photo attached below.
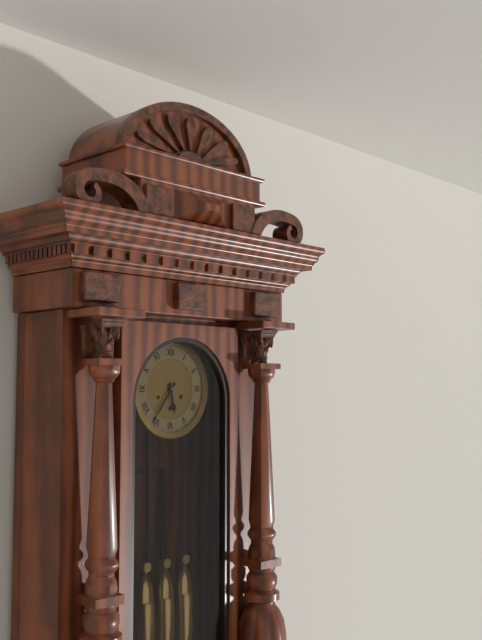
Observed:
{"hour": 5, "minute": 36}
